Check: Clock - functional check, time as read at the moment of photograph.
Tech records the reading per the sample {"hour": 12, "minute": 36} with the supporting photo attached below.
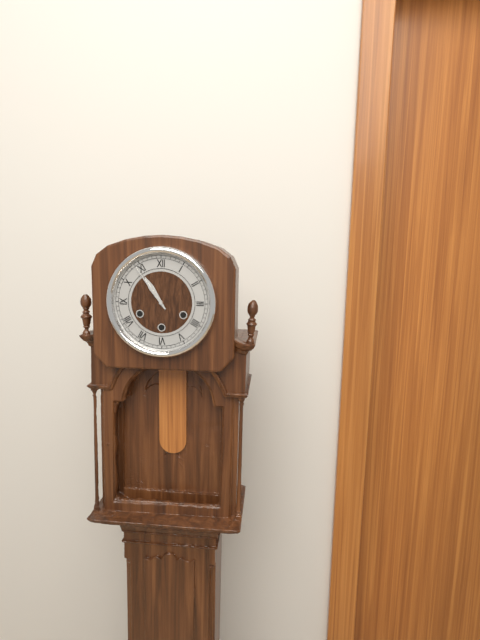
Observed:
{"hour": 10, "minute": 54}
